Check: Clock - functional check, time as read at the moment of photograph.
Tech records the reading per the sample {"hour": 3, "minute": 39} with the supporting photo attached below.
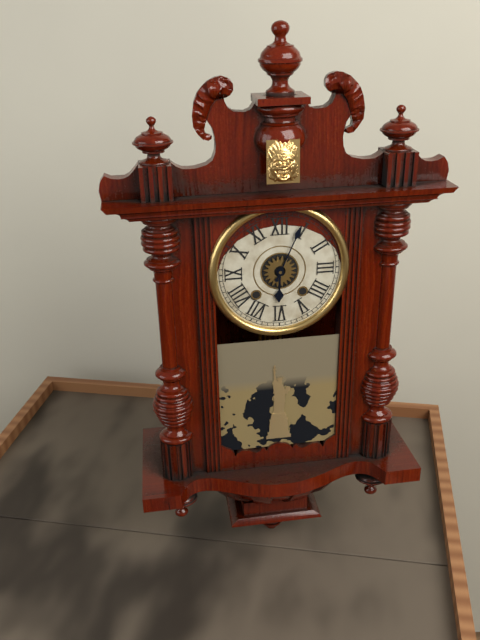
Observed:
{"hour": 6, "minute": 4}
